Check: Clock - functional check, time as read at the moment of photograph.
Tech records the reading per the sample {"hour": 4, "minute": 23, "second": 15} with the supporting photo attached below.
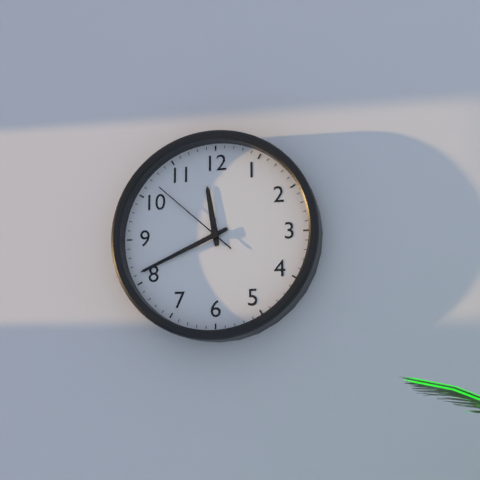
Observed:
{"hour": 11, "minute": 41, "second": 52}
